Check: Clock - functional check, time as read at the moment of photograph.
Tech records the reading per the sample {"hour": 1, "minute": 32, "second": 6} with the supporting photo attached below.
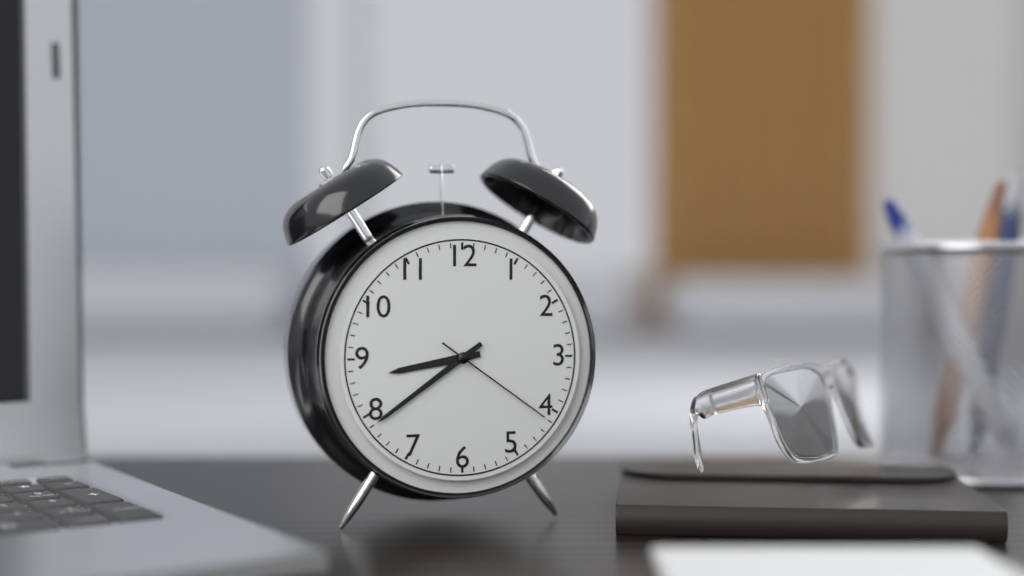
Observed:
{"hour": 8, "minute": 39, "second": 21}
